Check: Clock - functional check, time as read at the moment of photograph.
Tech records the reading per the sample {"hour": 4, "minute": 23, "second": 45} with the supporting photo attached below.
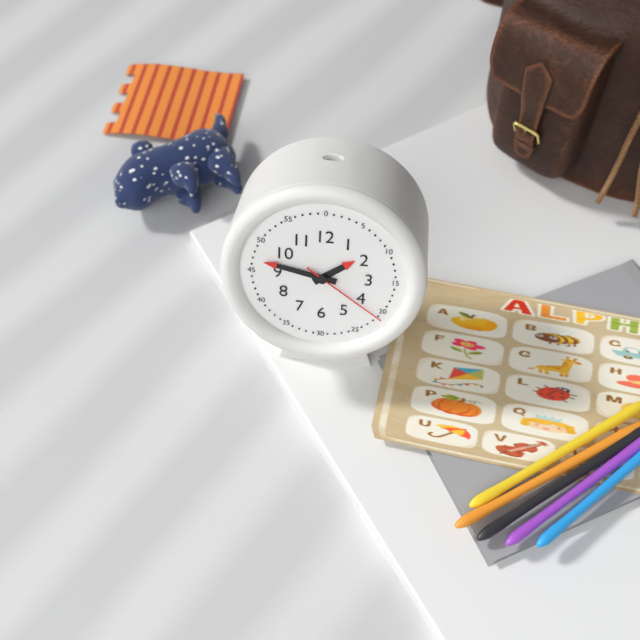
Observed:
{"hour": 1, "minute": 47, "second": 21}
